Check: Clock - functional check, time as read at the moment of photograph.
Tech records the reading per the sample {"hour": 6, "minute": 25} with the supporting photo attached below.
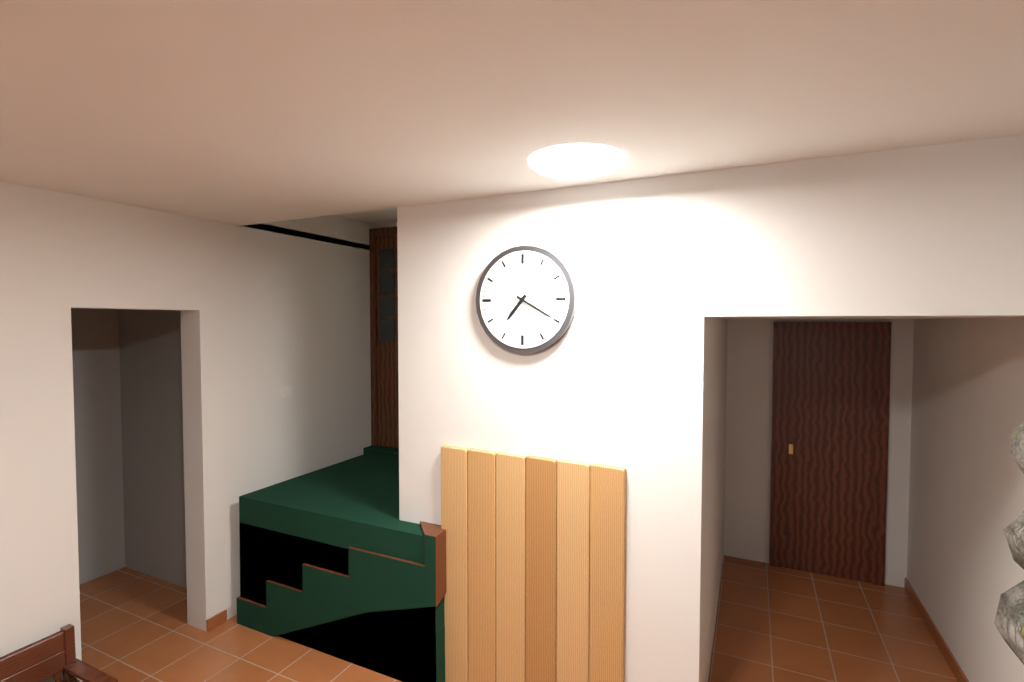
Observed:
{"hour": 7, "minute": 20}
